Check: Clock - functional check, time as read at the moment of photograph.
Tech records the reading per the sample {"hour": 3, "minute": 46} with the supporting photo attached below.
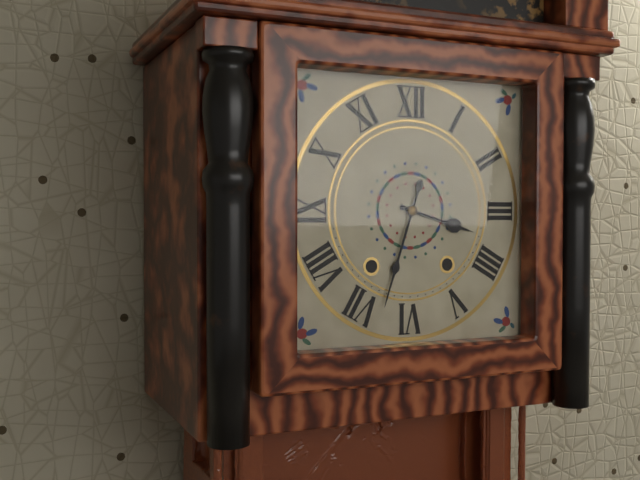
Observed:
{"hour": 3, "minute": 33}
